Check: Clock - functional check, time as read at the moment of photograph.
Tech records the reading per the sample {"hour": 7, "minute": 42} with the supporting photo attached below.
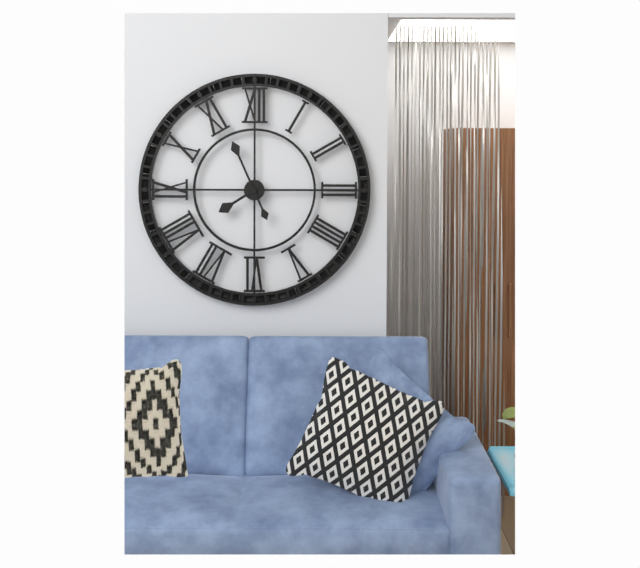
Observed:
{"hour": 7, "minute": 56}
